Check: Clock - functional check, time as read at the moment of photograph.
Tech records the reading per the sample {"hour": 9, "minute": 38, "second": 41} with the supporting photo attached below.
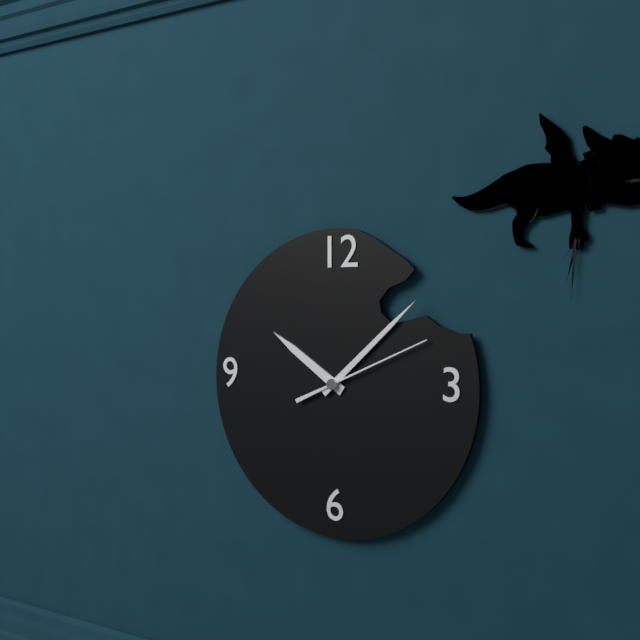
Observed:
{"hour": 10, "minute": 8, "second": 11}
